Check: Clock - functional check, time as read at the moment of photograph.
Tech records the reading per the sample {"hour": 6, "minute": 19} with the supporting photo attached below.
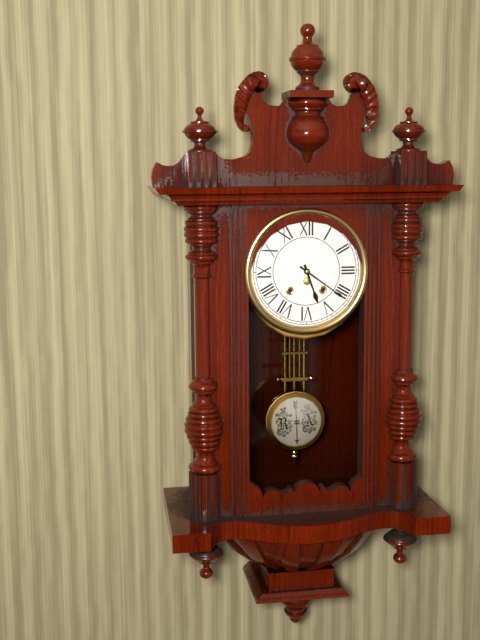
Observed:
{"hour": 5, "minute": 21}
